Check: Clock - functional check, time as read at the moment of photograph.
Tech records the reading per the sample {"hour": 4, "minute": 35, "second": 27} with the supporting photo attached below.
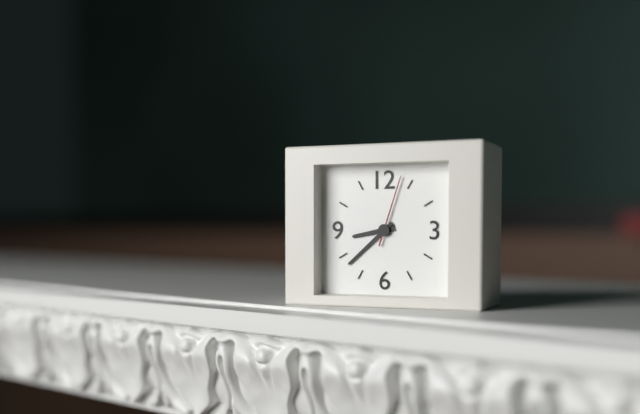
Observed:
{"hour": 8, "minute": 38, "second": 3}
